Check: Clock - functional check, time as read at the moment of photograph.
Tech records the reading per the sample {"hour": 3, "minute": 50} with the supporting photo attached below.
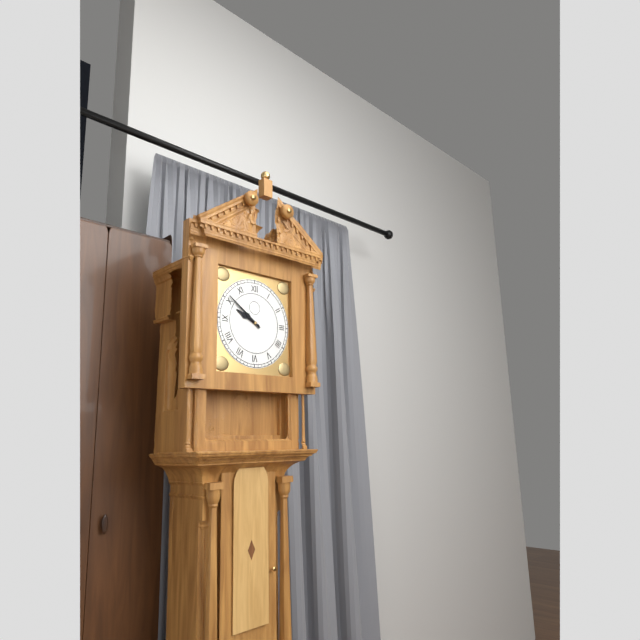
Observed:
{"hour": 9, "minute": 51}
